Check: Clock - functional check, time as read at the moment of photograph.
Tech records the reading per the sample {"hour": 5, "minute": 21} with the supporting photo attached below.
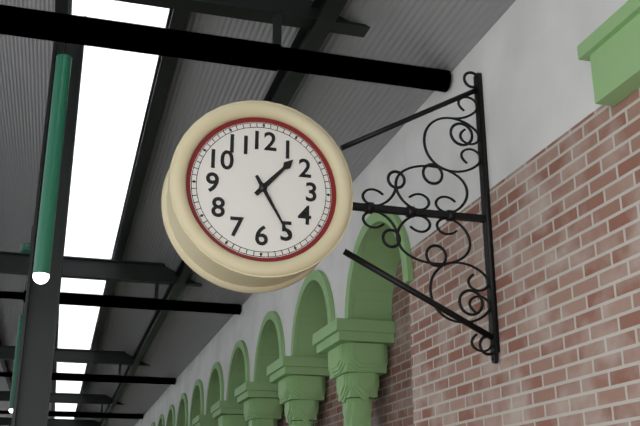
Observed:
{"hour": 1, "minute": 25}
